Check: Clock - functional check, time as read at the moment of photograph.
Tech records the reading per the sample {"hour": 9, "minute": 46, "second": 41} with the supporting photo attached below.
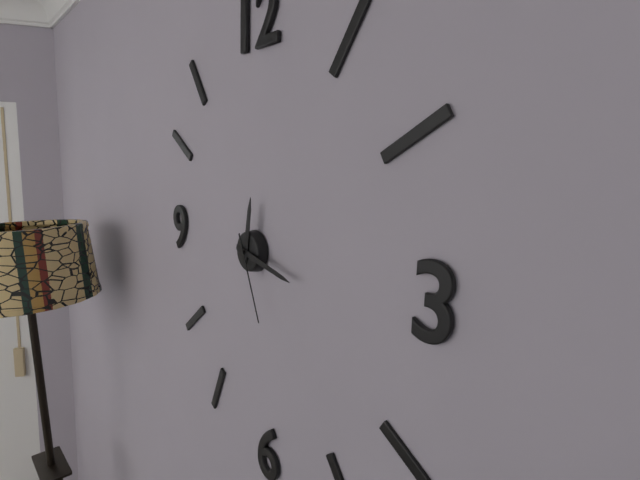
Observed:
{"hour": 12, "minute": 17, "second": 26}
